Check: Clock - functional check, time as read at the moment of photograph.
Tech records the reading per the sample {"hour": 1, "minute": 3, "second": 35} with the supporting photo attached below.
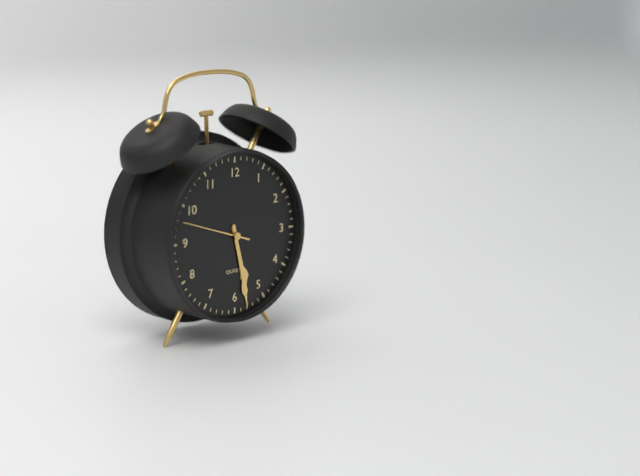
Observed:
{"hour": 5, "minute": 28, "second": 48}
